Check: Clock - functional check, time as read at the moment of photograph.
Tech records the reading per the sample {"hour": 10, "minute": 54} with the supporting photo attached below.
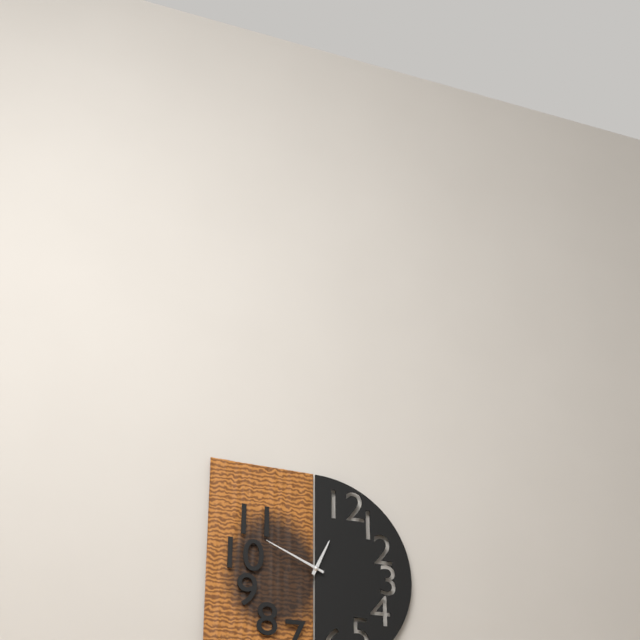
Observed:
{"hour": 12, "minute": 49}
